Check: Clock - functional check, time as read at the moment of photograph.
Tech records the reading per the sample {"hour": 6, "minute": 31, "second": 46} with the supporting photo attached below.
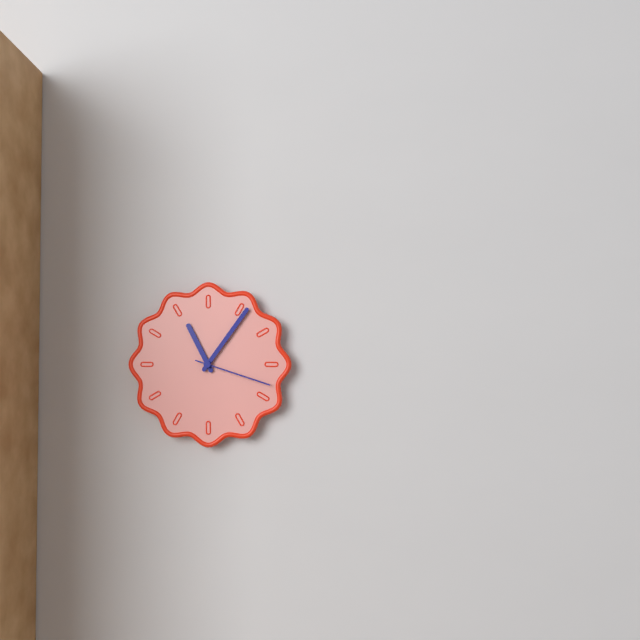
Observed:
{"hour": 11, "minute": 6, "second": 18}
